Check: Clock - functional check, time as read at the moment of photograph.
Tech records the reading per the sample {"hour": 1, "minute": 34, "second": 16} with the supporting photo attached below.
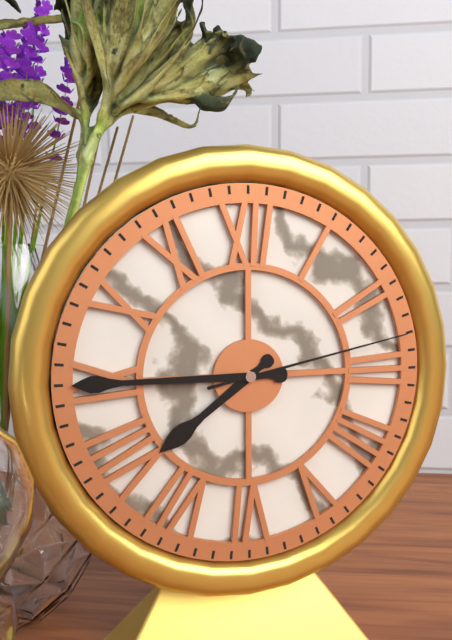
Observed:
{"hour": 7, "minute": 45, "second": 13}
